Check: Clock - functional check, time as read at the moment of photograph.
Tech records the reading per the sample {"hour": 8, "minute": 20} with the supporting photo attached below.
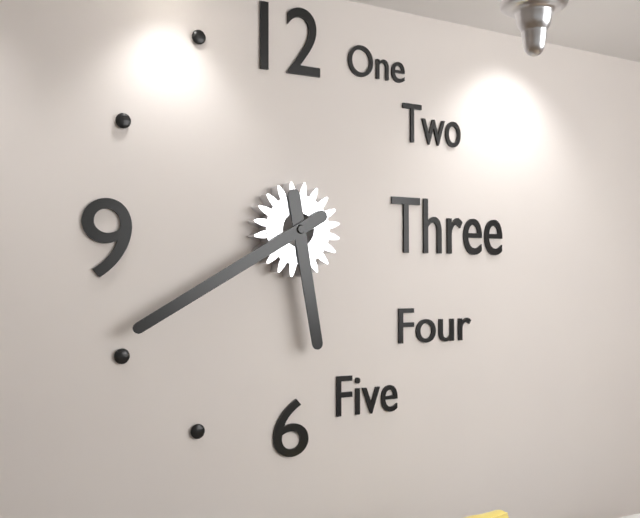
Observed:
{"hour": 5, "minute": 40}
